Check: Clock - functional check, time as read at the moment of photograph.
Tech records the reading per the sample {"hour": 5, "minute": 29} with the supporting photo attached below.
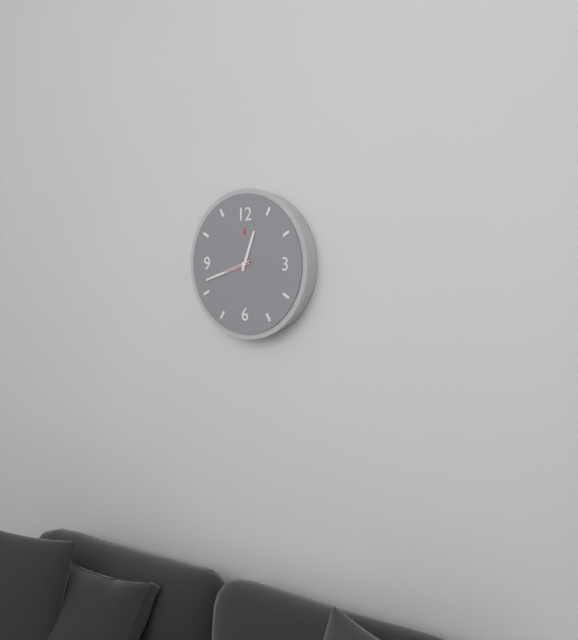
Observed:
{"hour": 12, "minute": 42}
